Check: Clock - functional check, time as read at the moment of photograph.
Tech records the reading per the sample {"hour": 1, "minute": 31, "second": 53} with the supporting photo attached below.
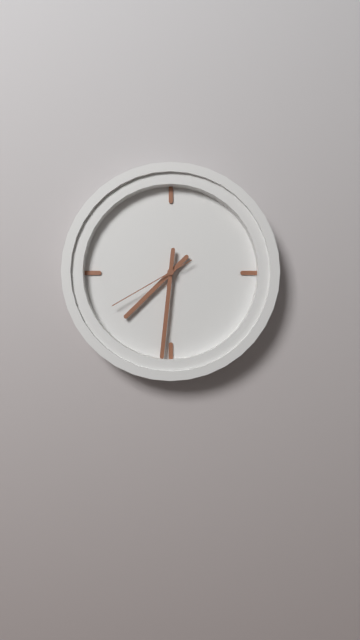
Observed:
{"hour": 7, "minute": 31, "second": 40}
